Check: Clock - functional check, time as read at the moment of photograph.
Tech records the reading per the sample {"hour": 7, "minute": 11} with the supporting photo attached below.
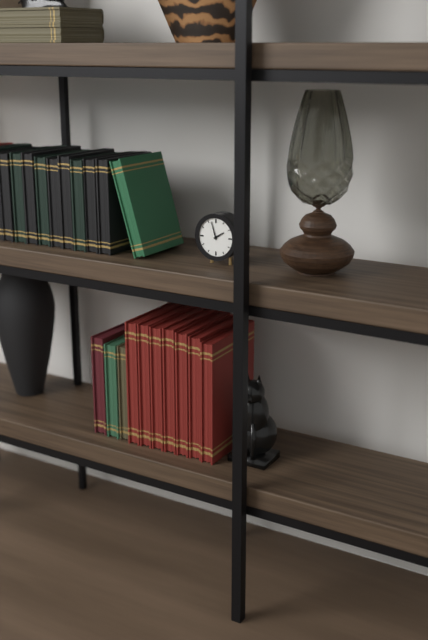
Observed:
{"hour": 1, "minute": 57}
